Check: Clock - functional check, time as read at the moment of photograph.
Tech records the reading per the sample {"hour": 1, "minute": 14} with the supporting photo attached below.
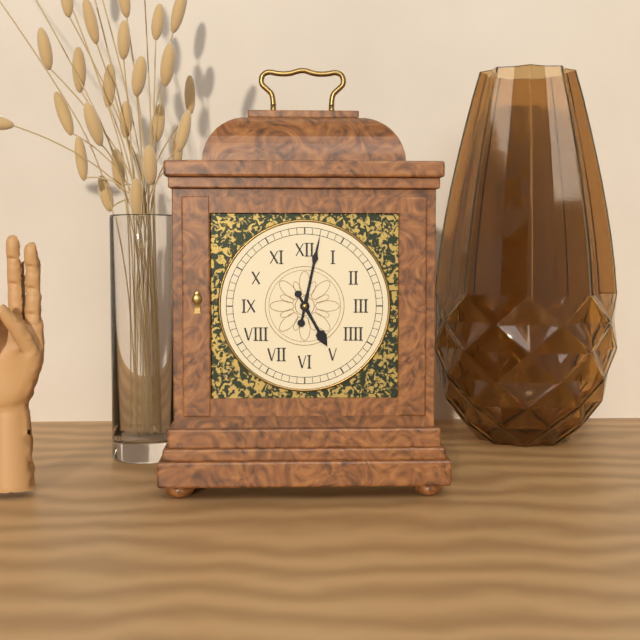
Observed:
{"hour": 5, "minute": 2}
